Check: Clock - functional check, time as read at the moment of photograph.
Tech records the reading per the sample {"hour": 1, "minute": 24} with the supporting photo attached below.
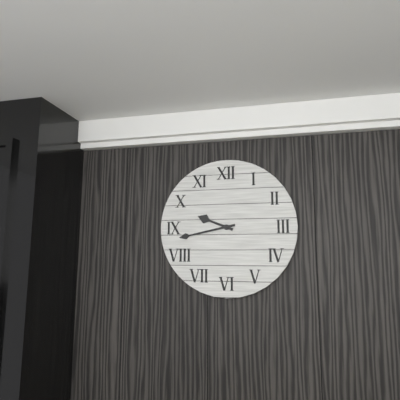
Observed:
{"hour": 9, "minute": 43}
